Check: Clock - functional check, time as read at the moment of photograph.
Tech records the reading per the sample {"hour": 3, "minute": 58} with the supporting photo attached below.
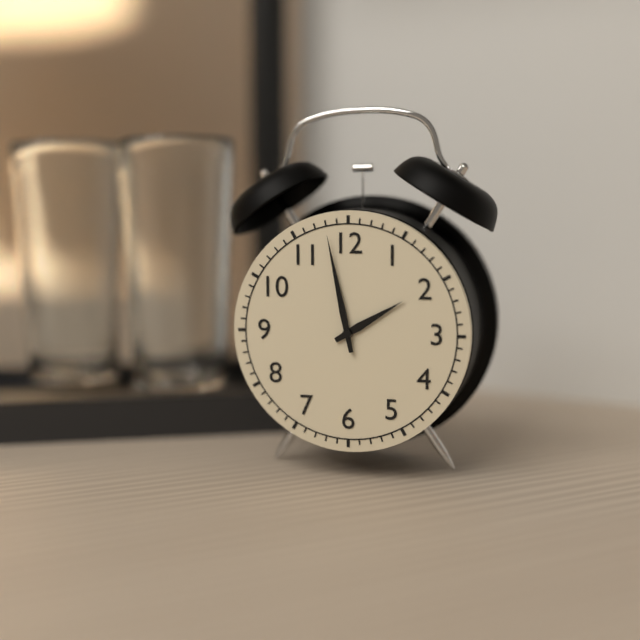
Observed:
{"hour": 1, "minute": 58}
